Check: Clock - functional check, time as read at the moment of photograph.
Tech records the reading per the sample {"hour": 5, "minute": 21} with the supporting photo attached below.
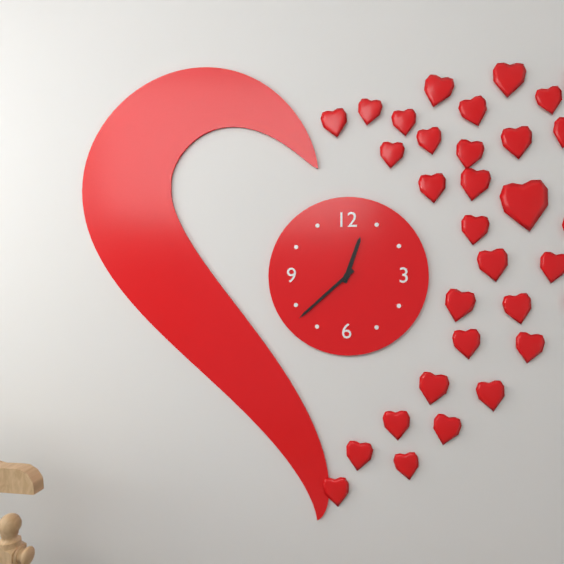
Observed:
{"hour": 12, "minute": 38}
